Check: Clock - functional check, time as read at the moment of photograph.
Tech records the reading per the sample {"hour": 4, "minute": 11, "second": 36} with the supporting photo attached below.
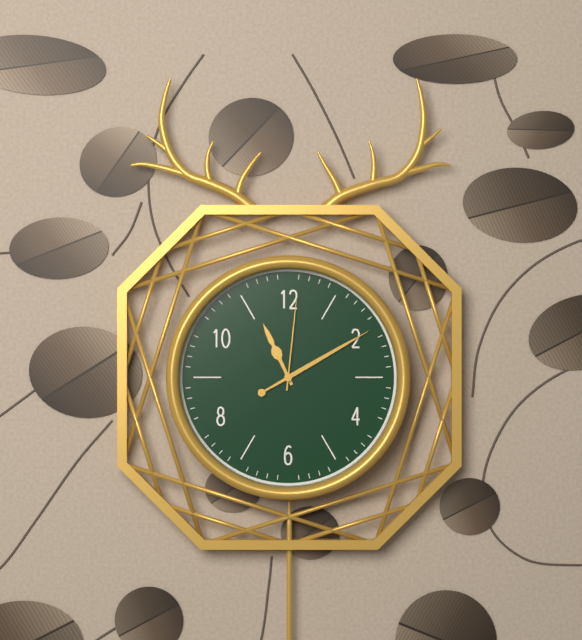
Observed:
{"hour": 11, "minute": 10, "second": 1}
